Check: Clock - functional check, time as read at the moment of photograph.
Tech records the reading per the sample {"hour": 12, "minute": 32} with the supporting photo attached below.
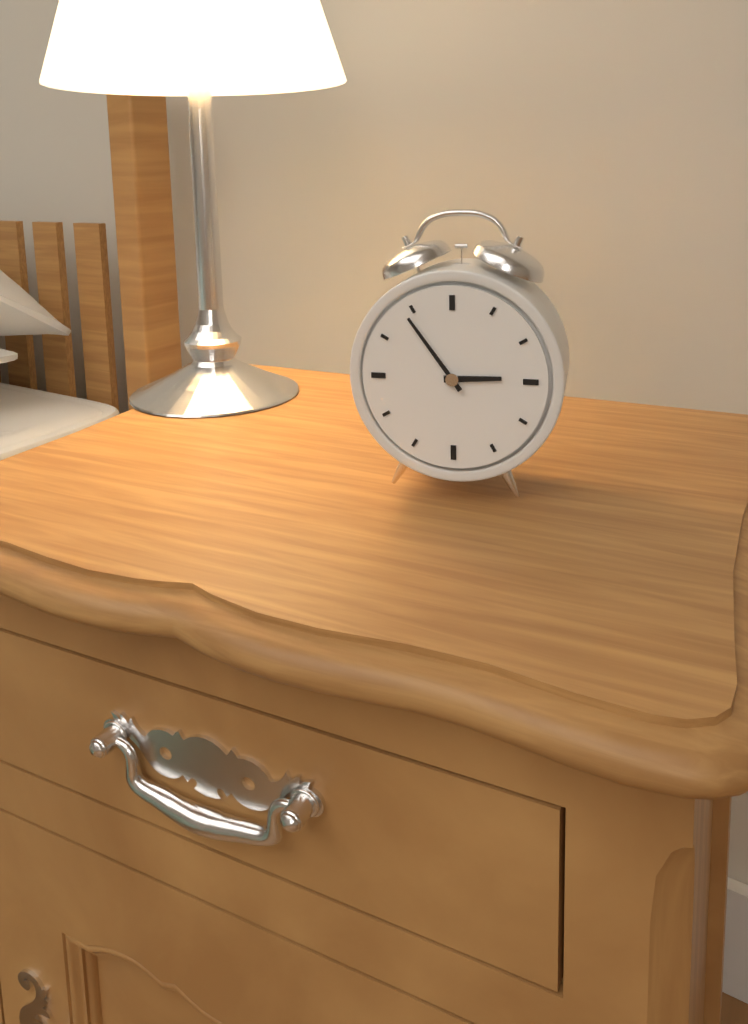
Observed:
{"hour": 2, "minute": 54}
